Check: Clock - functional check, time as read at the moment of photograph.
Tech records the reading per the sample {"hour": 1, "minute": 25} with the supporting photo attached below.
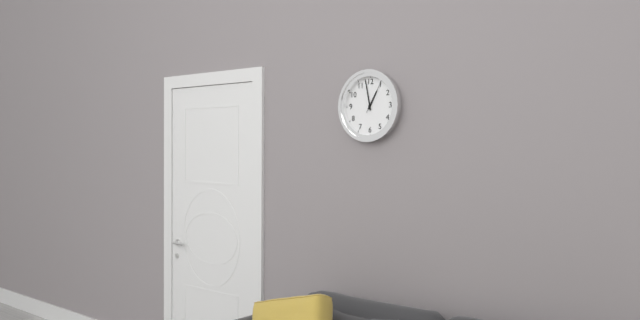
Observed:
{"hour": 12, "minute": 58}
